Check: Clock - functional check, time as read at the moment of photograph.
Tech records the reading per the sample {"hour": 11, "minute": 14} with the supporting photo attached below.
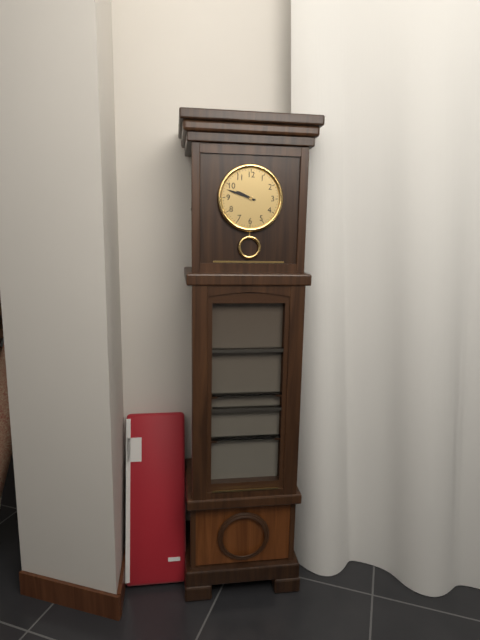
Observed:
{"hour": 9, "minute": 48}
